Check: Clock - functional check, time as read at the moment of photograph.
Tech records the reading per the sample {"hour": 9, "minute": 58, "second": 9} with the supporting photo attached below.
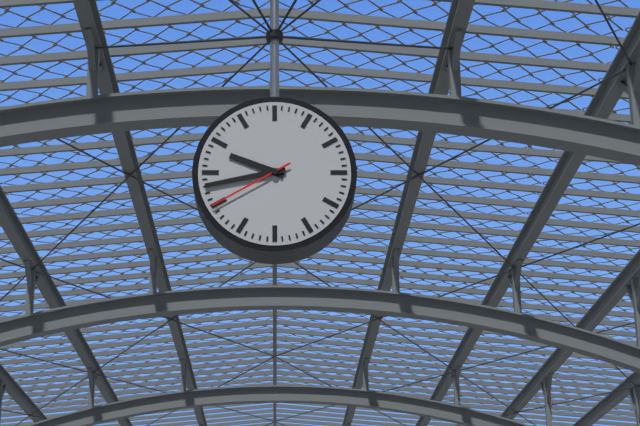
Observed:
{"hour": 9, "minute": 43, "second": 40}
